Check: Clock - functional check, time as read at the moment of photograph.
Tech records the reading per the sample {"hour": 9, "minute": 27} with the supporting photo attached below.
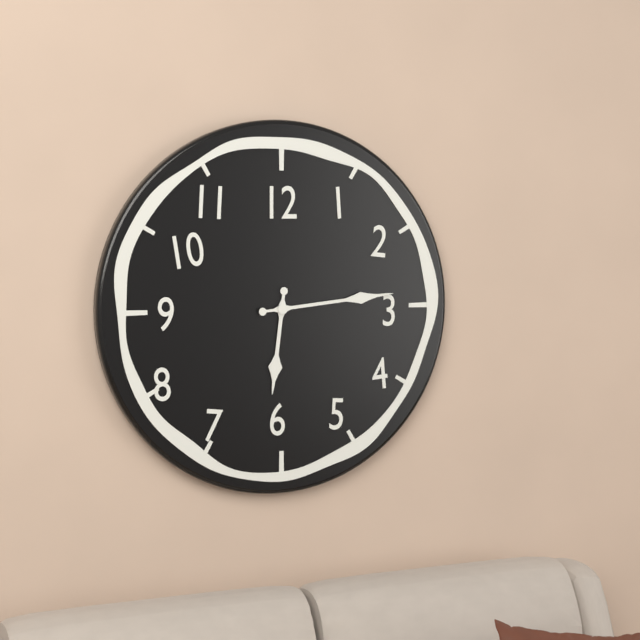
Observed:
{"hour": 6, "minute": 14}
